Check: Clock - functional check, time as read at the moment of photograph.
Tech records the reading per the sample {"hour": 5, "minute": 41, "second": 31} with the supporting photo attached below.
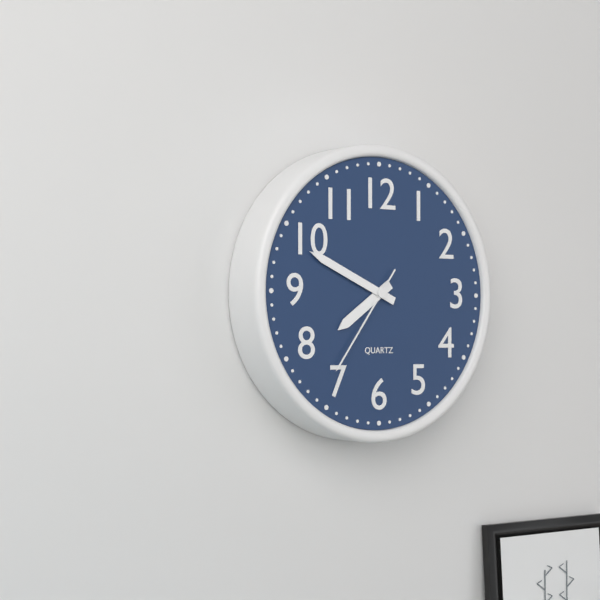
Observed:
{"hour": 7, "minute": 49, "second": 36}
